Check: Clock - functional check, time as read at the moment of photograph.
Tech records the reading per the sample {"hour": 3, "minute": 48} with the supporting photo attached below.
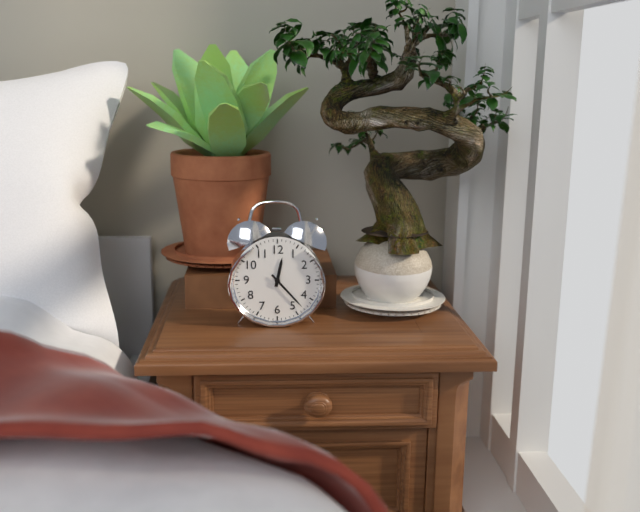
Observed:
{"hour": 12, "minute": 23}
